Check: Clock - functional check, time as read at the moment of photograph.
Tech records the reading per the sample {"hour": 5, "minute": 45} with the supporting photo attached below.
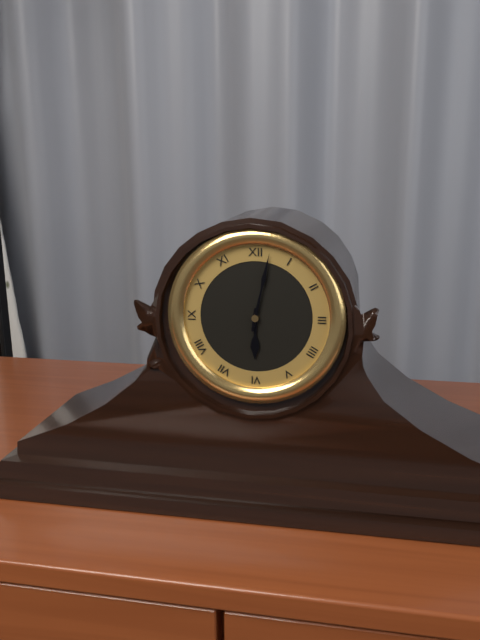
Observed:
{"hour": 6, "minute": 2}
